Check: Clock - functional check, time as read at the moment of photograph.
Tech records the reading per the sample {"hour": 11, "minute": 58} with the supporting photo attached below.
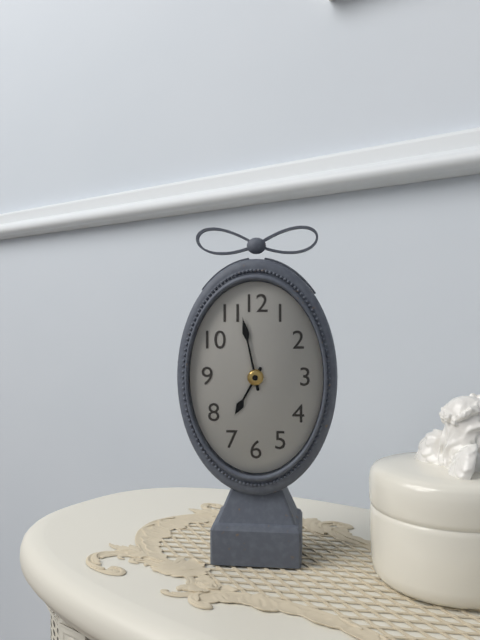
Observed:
{"hour": 6, "minute": 58}
